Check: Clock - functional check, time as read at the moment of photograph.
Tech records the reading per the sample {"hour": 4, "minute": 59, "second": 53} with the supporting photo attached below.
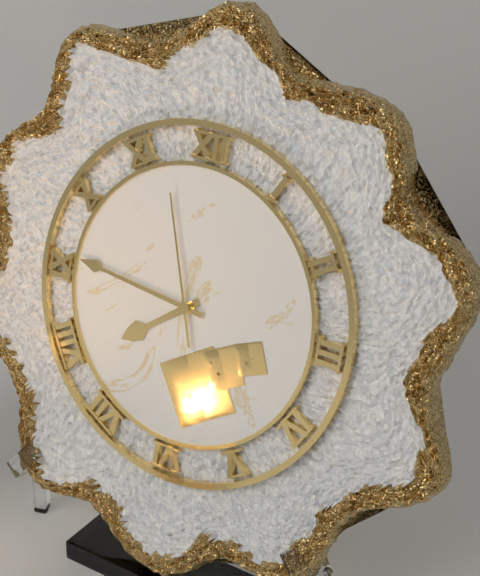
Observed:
{"hour": 7, "minute": 46, "second": 57}
